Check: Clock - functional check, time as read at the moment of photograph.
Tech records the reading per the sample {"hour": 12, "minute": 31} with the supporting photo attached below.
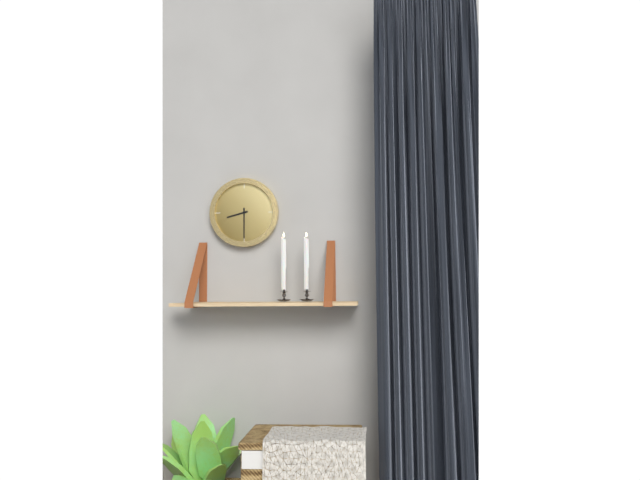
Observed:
{"hour": 8, "minute": 30}
